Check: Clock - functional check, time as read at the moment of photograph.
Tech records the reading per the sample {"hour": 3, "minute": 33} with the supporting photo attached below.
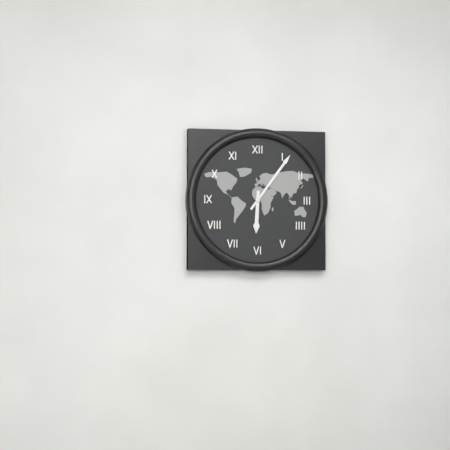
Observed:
{"hour": 6, "minute": 6}
